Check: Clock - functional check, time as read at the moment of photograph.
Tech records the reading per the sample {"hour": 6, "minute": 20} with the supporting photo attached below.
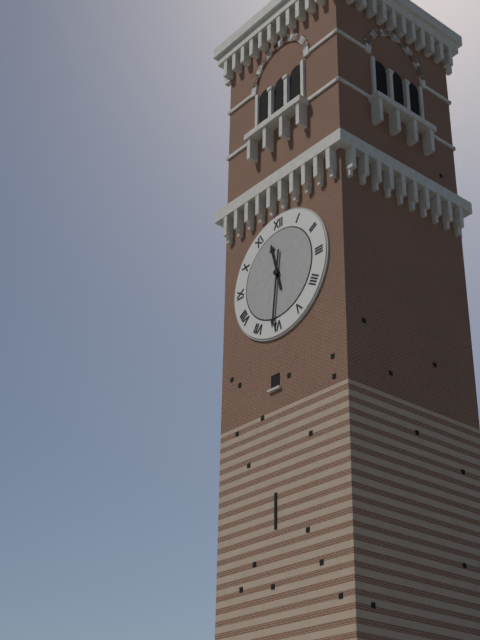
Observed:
{"hour": 11, "minute": 31}
